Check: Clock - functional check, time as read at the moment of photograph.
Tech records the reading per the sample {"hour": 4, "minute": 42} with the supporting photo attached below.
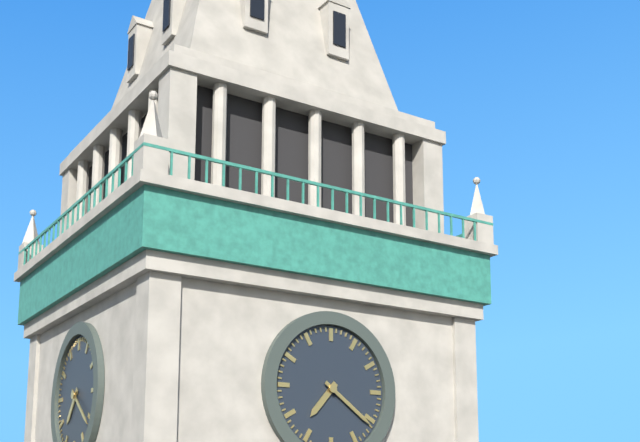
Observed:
{"hour": 7, "minute": 21}
